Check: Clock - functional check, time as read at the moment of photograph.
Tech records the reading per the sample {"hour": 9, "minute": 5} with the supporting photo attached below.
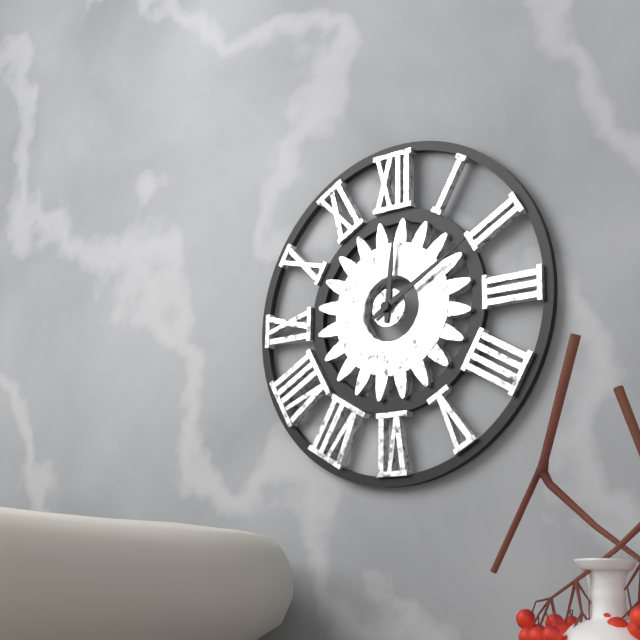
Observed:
{"hour": 12, "minute": 10}
